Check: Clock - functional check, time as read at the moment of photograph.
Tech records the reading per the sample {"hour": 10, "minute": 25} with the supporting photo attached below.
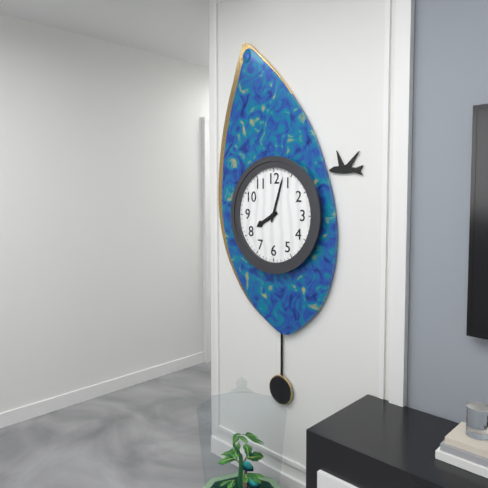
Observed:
{"hour": 8, "minute": 3}
